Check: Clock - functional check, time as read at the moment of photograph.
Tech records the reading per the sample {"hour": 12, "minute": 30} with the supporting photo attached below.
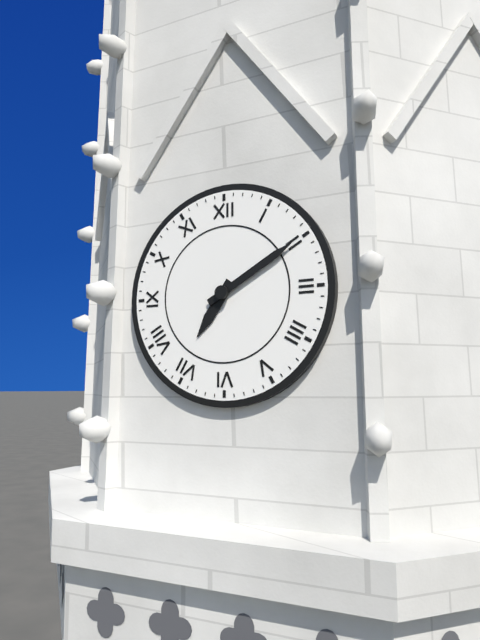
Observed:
{"hour": 7, "minute": 10}
